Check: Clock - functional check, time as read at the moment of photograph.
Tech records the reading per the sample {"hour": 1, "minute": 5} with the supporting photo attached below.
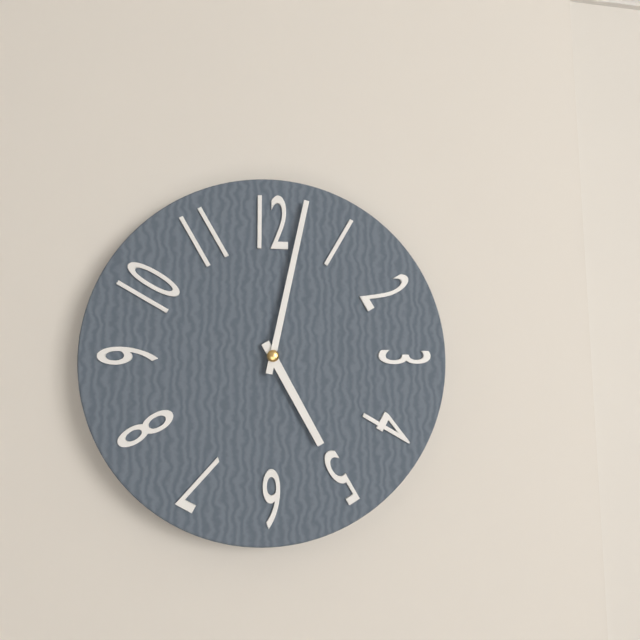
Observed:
{"hour": 5, "minute": 2}
